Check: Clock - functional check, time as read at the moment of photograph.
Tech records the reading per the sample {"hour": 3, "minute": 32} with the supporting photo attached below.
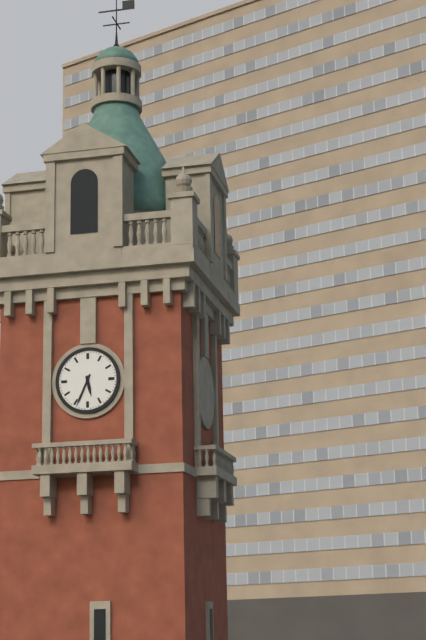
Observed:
{"hour": 5, "minute": 34}
